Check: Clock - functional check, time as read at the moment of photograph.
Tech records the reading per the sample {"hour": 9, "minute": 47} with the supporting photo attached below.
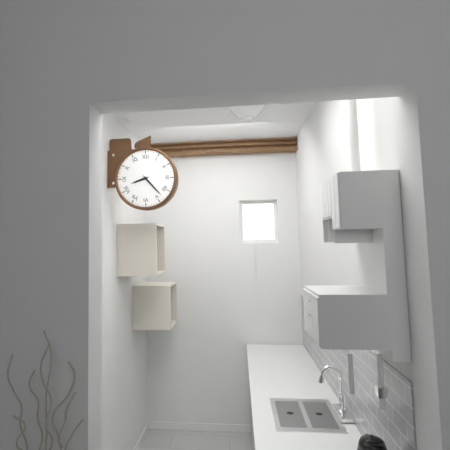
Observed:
{"hour": 8, "minute": 23}
